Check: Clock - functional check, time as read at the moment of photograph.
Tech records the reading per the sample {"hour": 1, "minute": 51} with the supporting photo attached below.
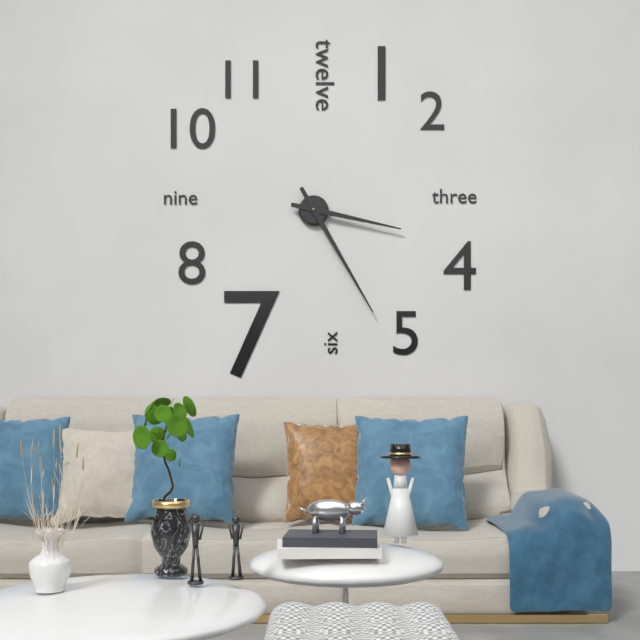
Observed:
{"hour": 3, "minute": 25}
